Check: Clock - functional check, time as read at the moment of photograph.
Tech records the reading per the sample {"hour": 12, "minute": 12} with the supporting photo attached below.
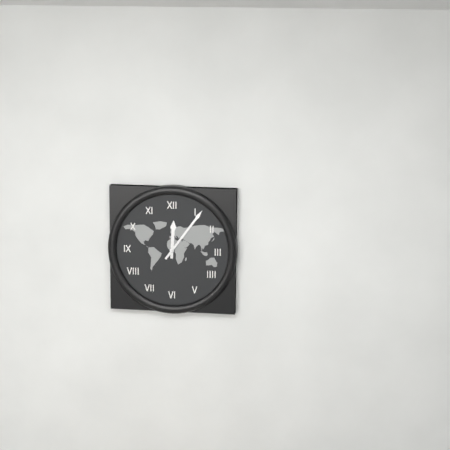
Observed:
{"hour": 12, "minute": 6}
